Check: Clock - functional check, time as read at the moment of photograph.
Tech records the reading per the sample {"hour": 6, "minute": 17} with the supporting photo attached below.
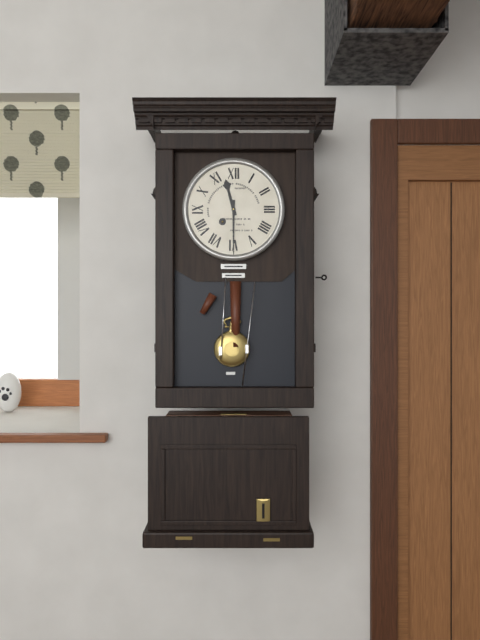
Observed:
{"hour": 11, "minute": 30}
